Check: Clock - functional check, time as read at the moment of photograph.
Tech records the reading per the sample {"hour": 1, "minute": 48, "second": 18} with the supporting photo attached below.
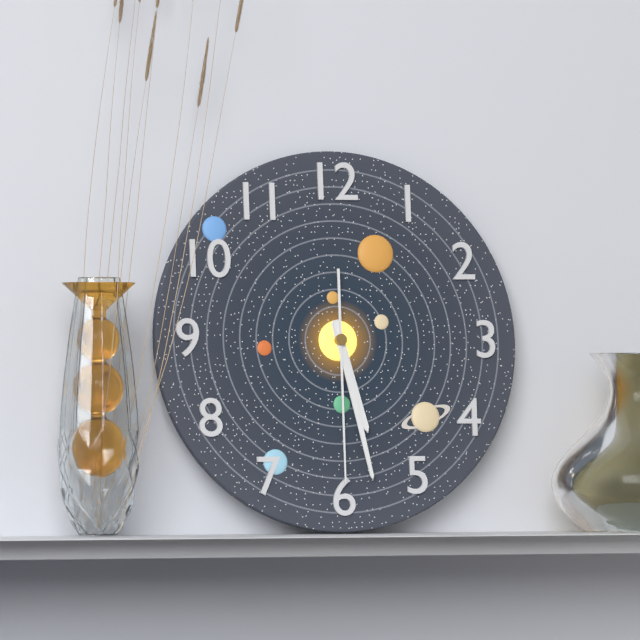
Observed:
{"hour": 5, "minute": 28, "second": 30}
